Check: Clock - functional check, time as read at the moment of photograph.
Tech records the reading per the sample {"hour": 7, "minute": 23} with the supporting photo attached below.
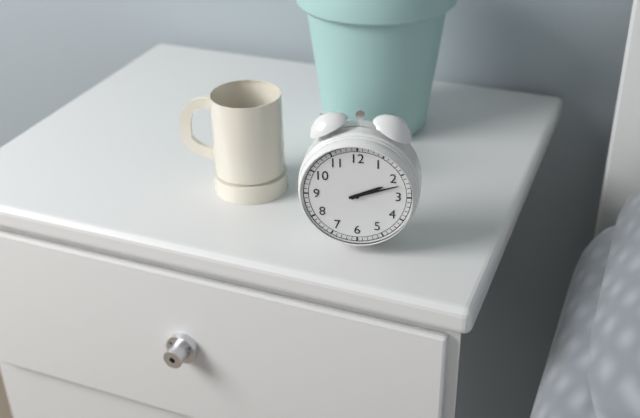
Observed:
{"hour": 2, "minute": 12}
